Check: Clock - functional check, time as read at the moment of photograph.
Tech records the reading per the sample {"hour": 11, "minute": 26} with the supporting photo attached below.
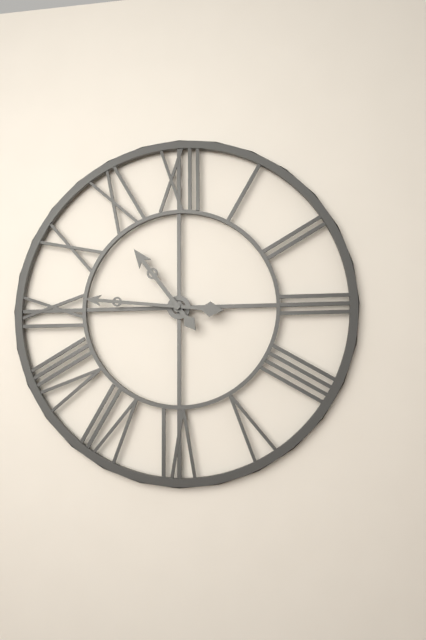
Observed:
{"hour": 10, "minute": 46}
